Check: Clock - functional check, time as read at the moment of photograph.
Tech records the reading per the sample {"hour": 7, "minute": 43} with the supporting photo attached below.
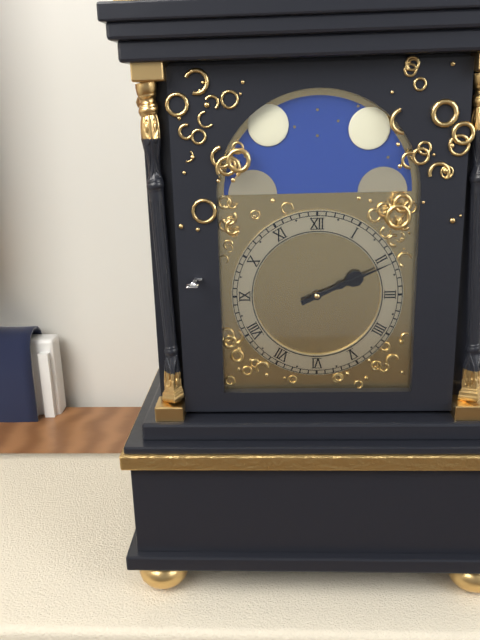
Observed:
{"hour": 2, "minute": 11}
